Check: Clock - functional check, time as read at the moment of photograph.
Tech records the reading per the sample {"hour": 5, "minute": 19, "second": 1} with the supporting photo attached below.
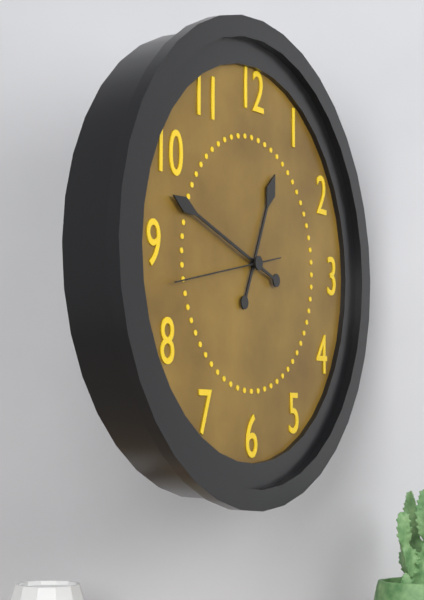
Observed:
{"hour": 12, "minute": 48, "second": 43}
